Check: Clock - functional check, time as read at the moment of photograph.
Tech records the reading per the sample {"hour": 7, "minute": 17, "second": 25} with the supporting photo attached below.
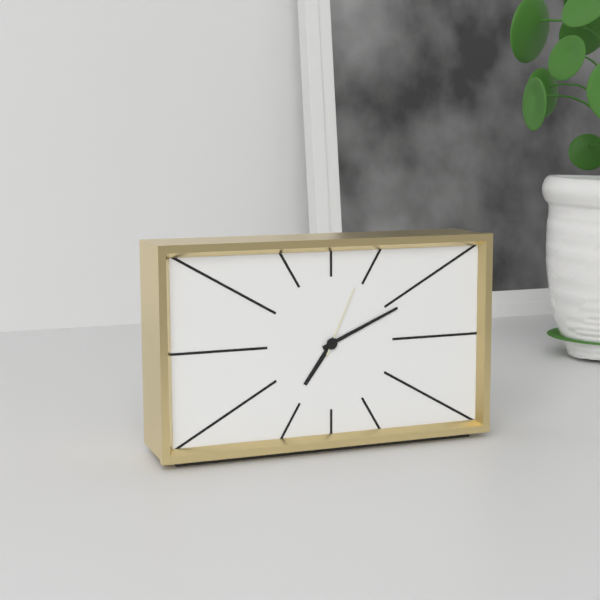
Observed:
{"hour": 7, "minute": 11, "second": 4}
